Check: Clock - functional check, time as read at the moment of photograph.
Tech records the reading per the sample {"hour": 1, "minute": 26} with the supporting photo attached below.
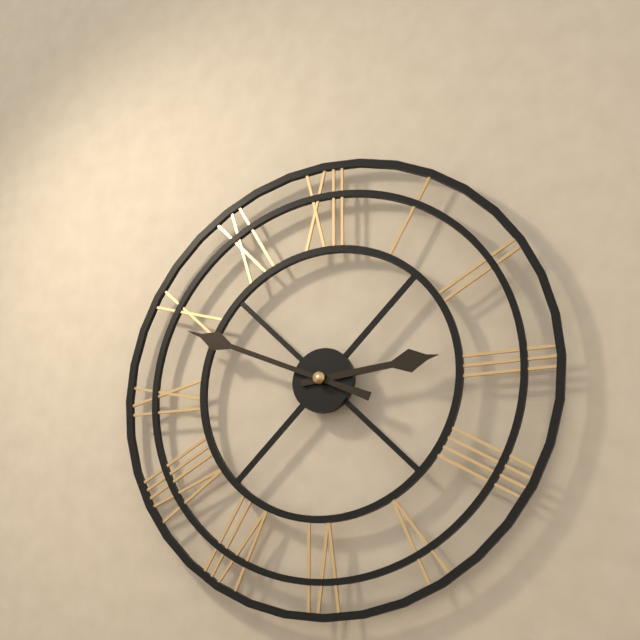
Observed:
{"hour": 2, "minute": 49}
